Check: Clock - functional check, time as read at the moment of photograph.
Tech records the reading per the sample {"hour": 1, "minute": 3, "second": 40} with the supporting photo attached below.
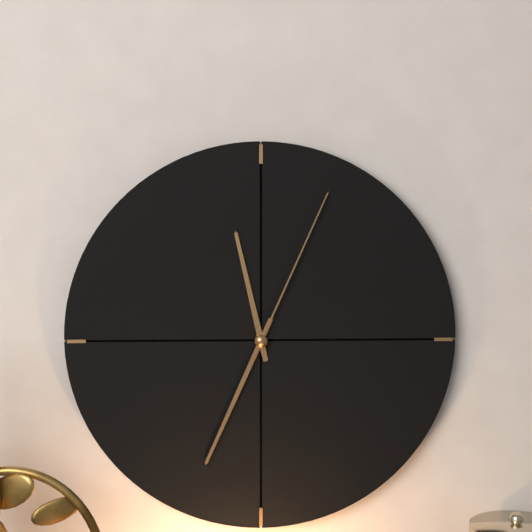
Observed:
{"hour": 11, "minute": 34, "second": 4}
